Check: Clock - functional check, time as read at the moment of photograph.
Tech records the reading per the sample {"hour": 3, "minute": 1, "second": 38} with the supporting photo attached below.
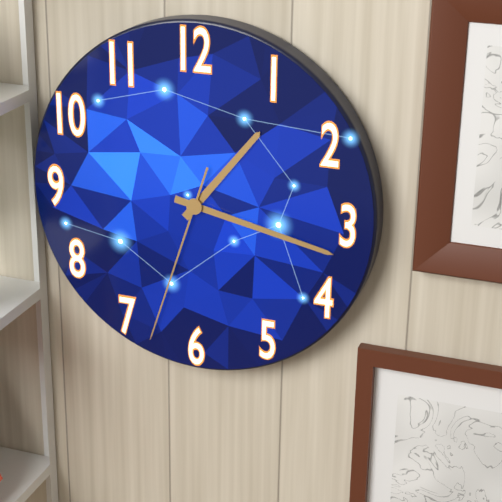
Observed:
{"hour": 1, "minute": 17, "second": 33}
